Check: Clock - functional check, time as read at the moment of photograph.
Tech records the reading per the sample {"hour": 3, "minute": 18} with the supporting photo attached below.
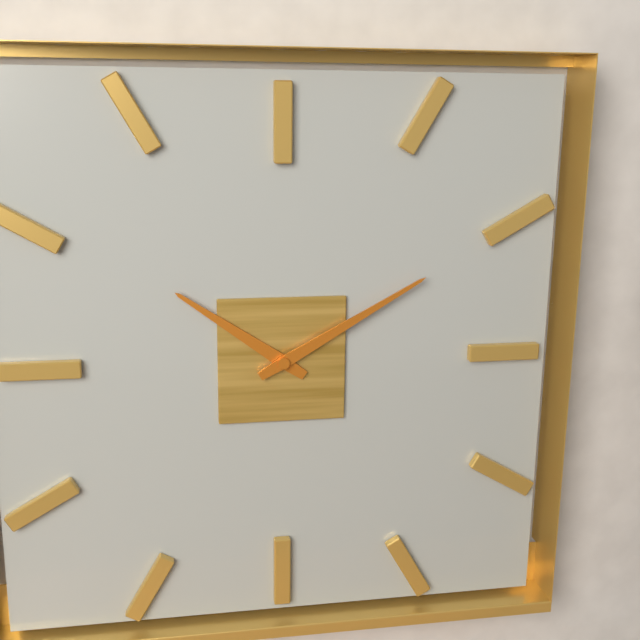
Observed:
{"hour": 10, "minute": 10}
